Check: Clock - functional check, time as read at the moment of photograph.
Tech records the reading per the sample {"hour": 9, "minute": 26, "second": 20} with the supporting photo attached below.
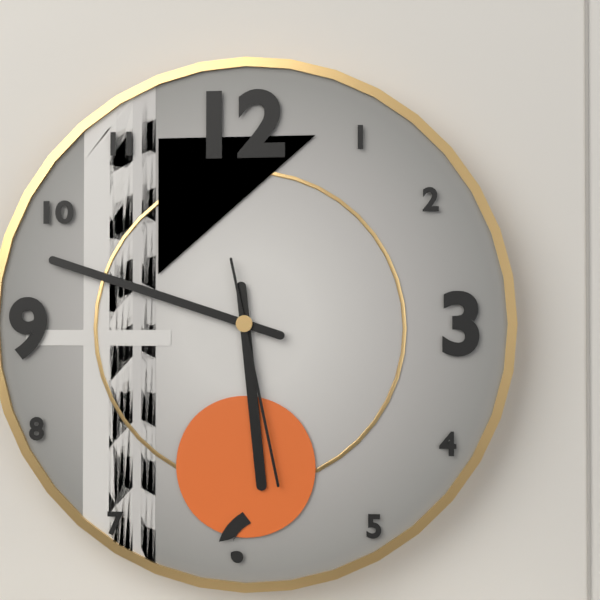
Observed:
{"hour": 5, "minute": 48, "second": 28}
